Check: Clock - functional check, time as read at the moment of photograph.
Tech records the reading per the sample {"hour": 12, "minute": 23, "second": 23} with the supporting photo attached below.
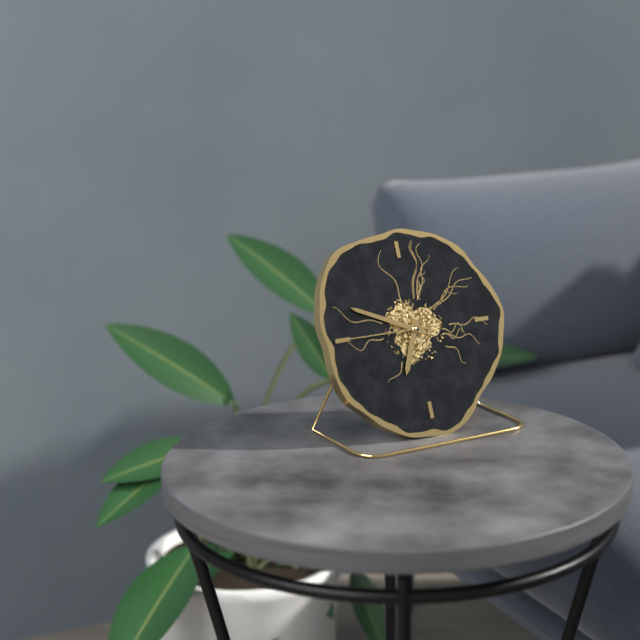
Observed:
{"hour": 6, "minute": 49, "second": 45}
